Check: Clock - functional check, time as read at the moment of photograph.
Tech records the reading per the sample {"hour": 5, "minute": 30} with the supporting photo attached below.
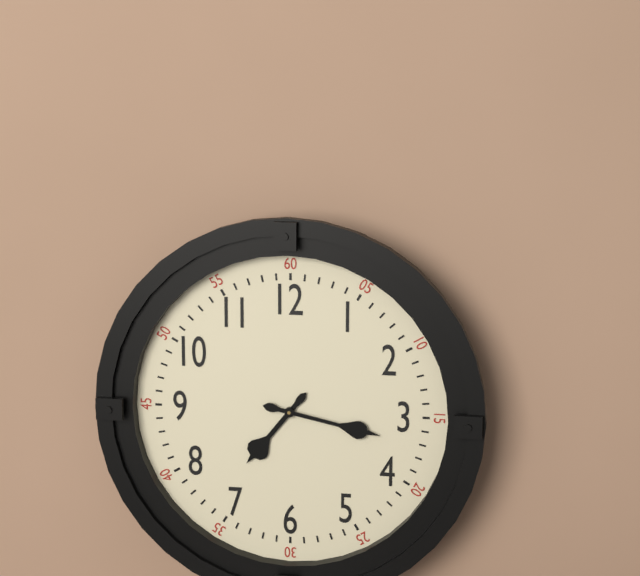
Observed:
{"hour": 7, "minute": 17}
